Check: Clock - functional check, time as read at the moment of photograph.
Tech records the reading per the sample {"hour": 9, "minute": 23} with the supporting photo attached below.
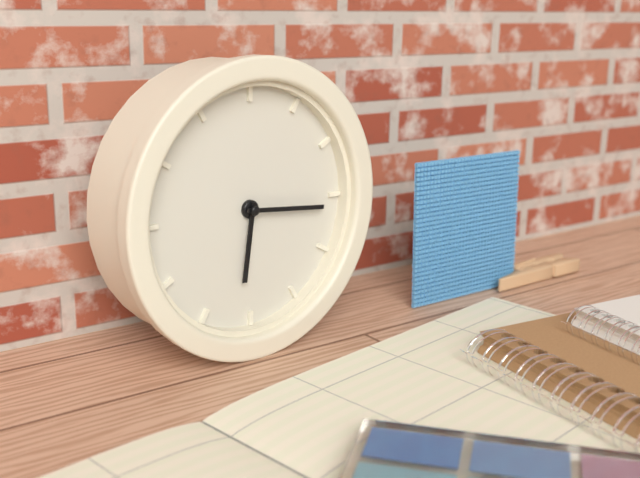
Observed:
{"hour": 6, "minute": 16}
